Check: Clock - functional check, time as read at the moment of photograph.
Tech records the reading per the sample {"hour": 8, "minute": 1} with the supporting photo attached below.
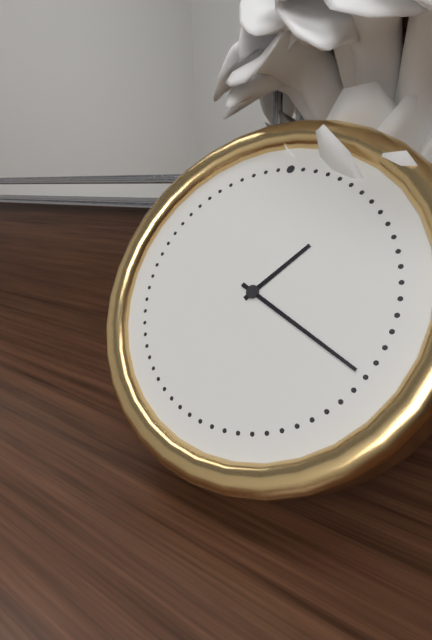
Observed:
{"hour": 1, "minute": 19}
